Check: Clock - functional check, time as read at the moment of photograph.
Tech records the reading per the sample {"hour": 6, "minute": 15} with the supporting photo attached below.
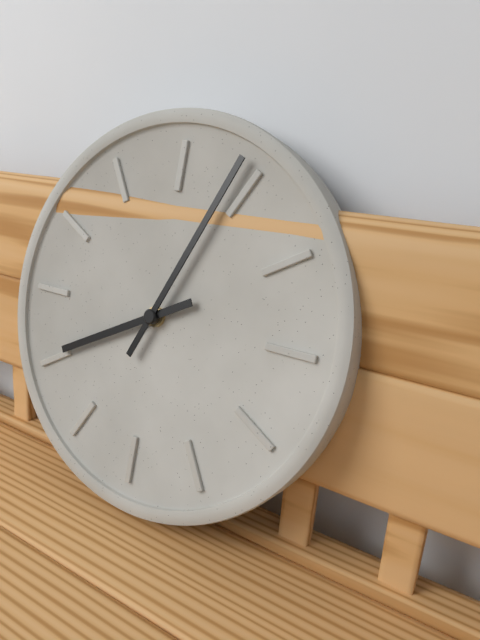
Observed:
{"hour": 8, "minute": 4}
